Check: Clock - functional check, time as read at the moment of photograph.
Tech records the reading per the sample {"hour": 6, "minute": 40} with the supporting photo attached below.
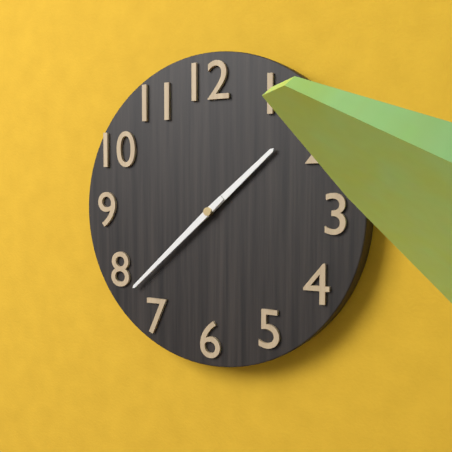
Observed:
{"hour": 1, "minute": 38}
